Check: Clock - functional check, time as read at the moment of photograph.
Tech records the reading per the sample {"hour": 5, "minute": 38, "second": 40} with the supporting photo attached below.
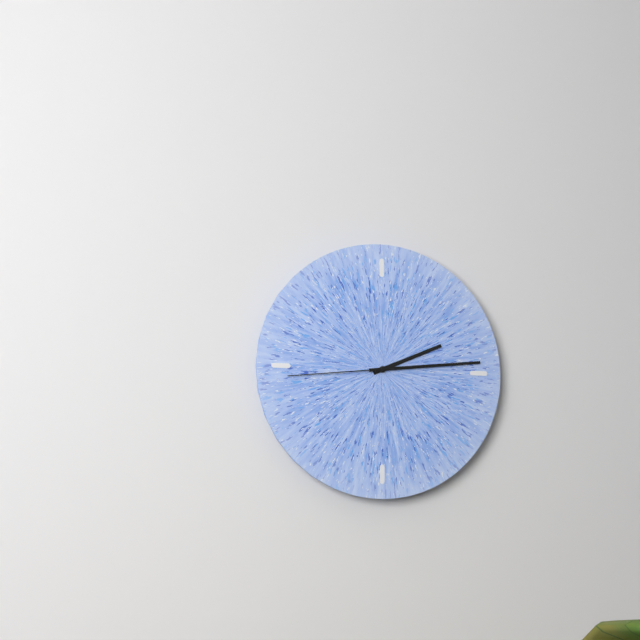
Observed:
{"hour": 2, "minute": 14, "second": 44}
